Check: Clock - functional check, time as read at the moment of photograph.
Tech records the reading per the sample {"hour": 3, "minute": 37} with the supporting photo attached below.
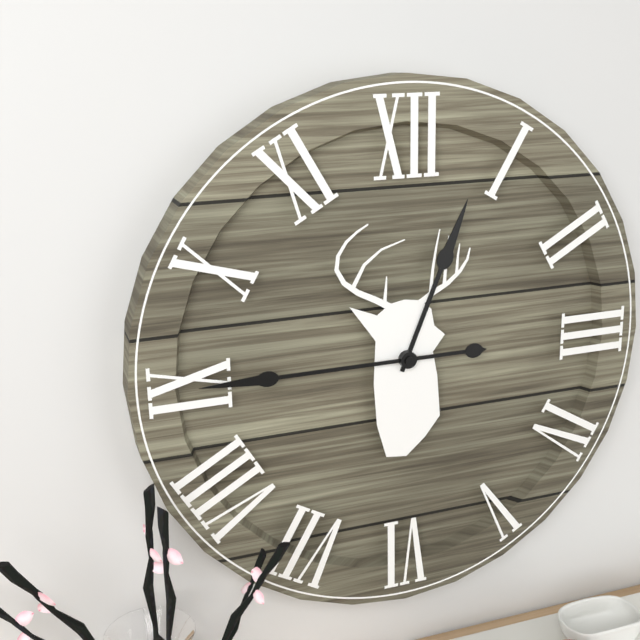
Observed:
{"hour": 12, "minute": 45}
